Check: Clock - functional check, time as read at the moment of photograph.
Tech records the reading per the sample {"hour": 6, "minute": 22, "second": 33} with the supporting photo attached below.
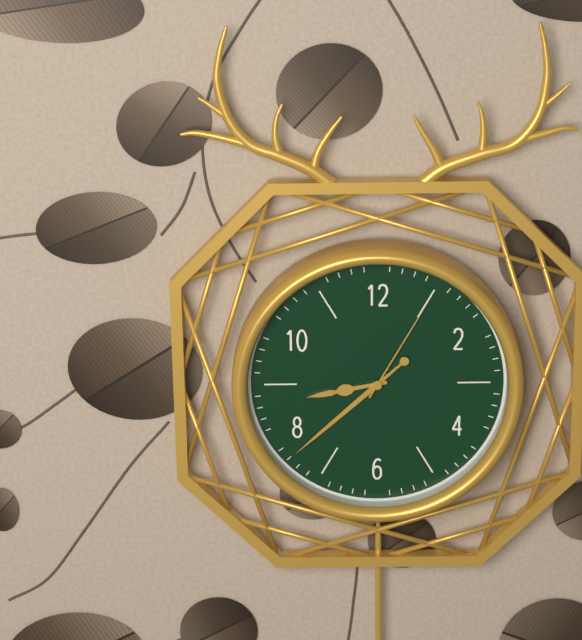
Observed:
{"hour": 8, "minute": 38, "second": 5}
